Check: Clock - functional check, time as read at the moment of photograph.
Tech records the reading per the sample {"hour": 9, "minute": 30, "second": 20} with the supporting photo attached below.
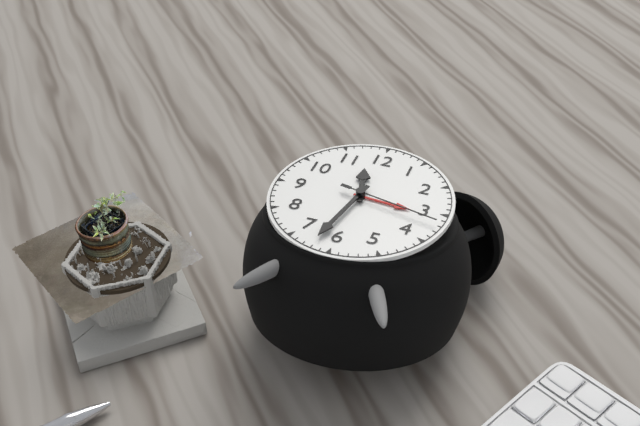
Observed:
{"hour": 11, "minute": 32, "second": 17}
